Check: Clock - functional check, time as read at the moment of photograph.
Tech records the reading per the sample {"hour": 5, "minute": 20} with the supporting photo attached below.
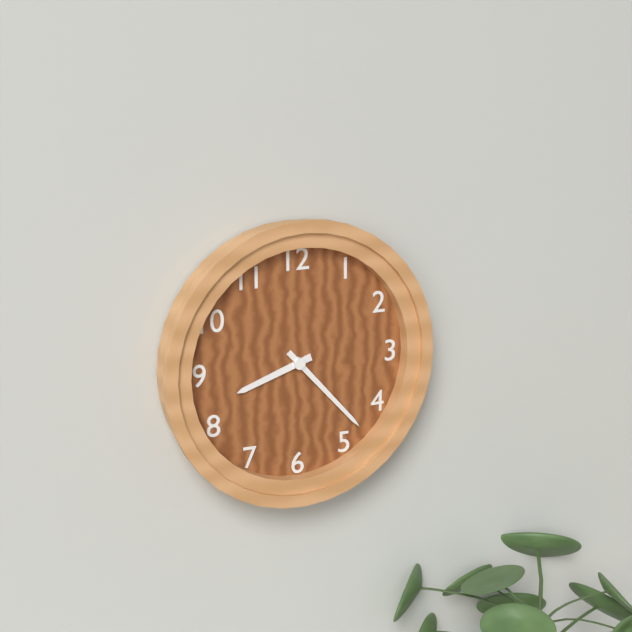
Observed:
{"hour": 8, "minute": 23}
